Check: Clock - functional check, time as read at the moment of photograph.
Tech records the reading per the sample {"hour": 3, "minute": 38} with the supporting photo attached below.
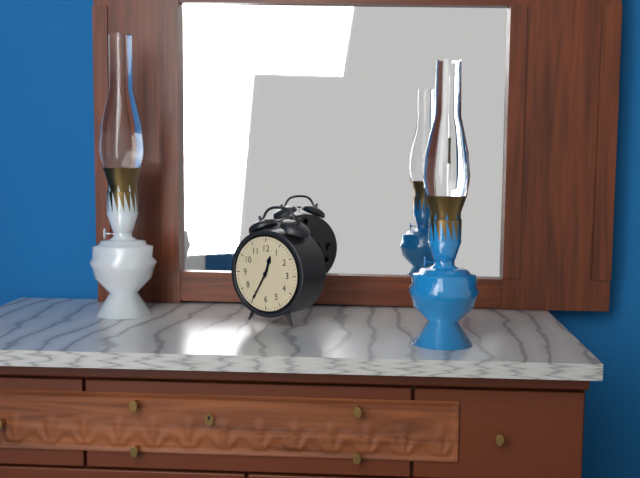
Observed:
{"hour": 12, "minute": 35}
